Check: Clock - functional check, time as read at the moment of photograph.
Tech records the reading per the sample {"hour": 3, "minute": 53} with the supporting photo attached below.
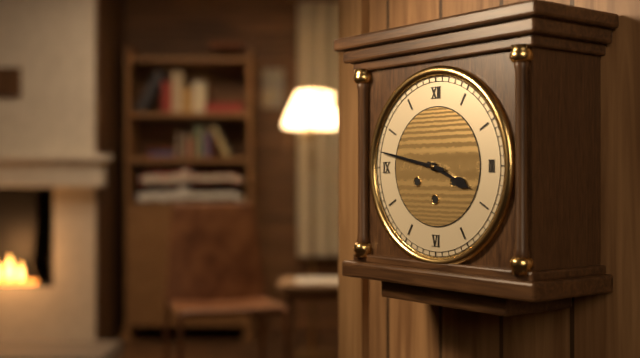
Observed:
{"hour": 3, "minute": 47}
